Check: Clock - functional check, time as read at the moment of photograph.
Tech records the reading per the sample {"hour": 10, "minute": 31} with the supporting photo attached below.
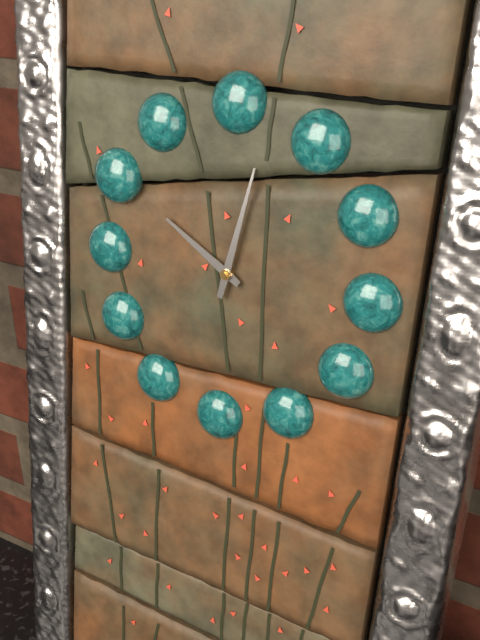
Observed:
{"hour": 10, "minute": 2}
